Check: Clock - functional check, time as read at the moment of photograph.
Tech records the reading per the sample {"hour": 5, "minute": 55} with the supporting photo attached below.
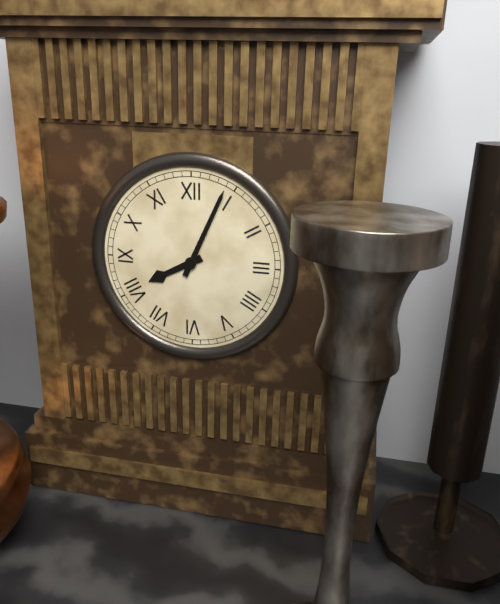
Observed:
{"hour": 8, "minute": 4}
